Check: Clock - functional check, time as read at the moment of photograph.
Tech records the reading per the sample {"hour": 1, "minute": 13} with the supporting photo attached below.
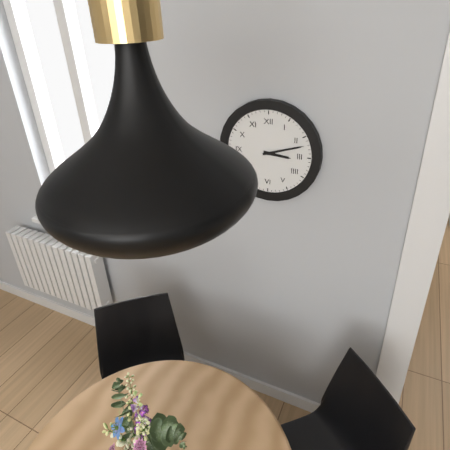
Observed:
{"hour": 3, "minute": 12}
